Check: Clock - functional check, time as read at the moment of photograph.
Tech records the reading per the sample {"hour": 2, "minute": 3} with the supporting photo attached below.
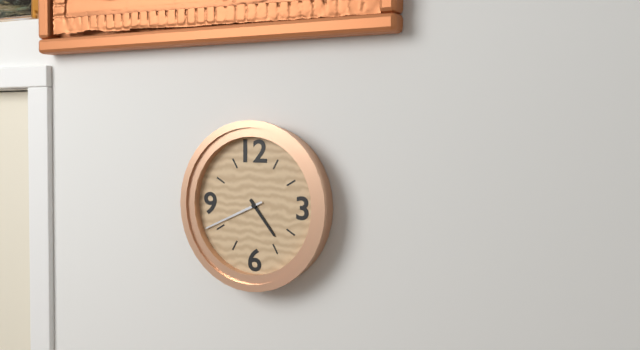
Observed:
{"hour": 4, "minute": 41}
